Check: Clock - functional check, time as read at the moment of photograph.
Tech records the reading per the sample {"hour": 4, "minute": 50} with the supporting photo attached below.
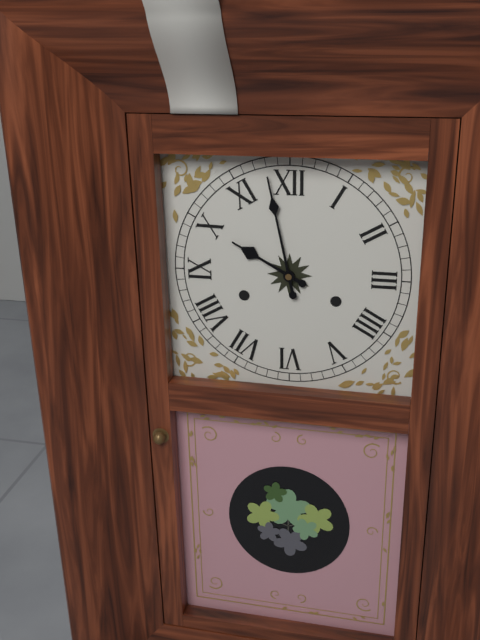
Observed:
{"hour": 9, "minute": 58}
